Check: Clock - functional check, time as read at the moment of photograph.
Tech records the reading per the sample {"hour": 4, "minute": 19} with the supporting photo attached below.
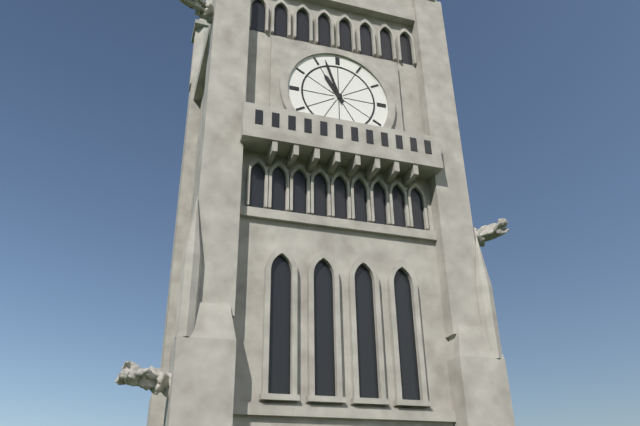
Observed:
{"hour": 10, "minute": 57}
